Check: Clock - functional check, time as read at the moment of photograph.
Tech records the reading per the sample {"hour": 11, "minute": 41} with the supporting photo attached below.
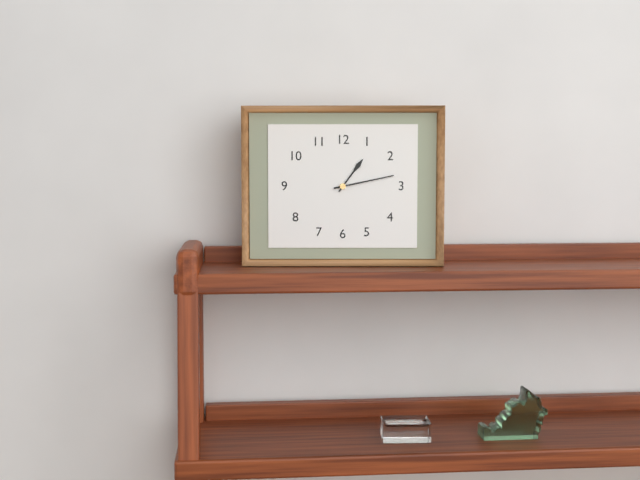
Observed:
{"hour": 1, "minute": 13}
